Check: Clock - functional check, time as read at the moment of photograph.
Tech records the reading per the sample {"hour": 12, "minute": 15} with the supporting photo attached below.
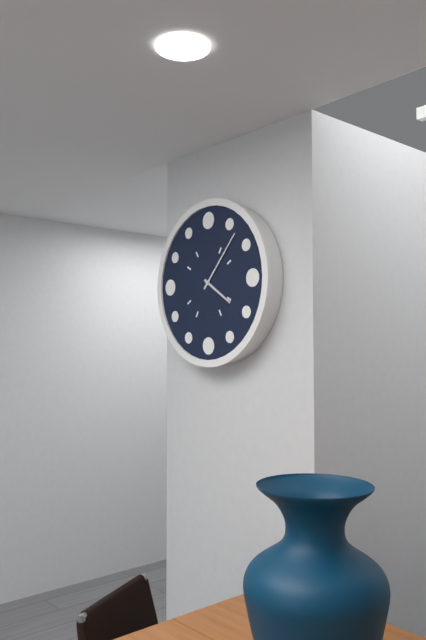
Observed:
{"hour": 4, "minute": 7}
